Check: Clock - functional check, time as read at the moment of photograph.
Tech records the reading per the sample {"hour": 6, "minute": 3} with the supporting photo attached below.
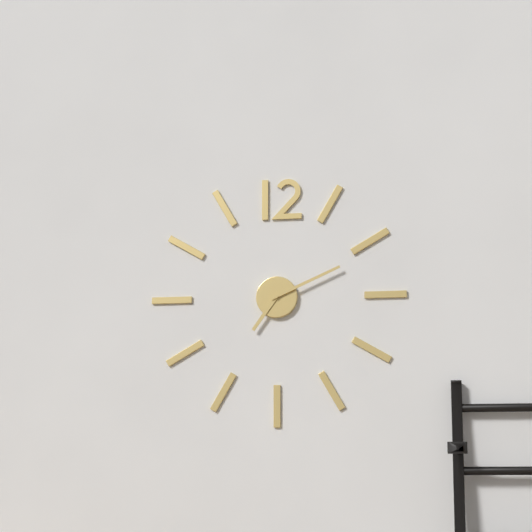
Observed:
{"hour": 7, "minute": 11}
